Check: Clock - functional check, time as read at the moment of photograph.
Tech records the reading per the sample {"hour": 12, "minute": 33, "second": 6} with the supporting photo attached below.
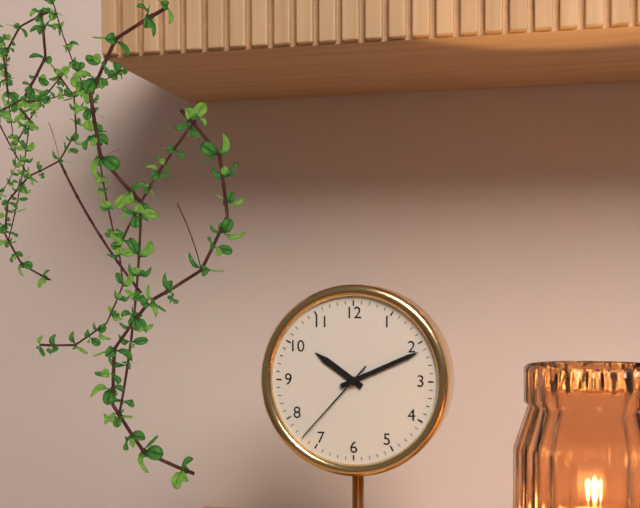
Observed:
{"hour": 10, "minute": 11, "second": 37}
